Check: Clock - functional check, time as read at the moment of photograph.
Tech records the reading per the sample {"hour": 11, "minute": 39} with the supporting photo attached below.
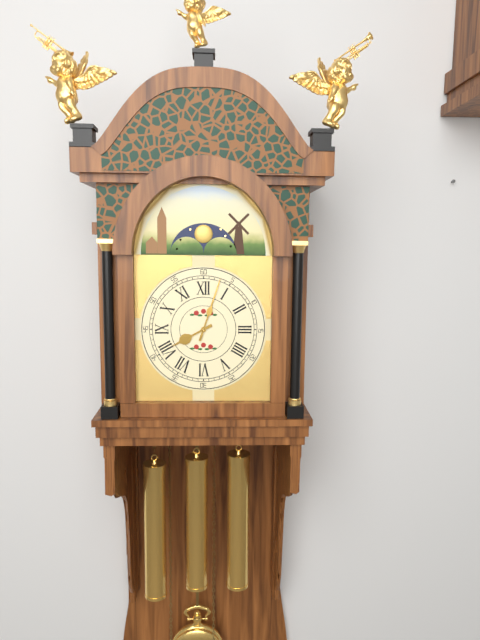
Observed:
{"hour": 8, "minute": 3}
